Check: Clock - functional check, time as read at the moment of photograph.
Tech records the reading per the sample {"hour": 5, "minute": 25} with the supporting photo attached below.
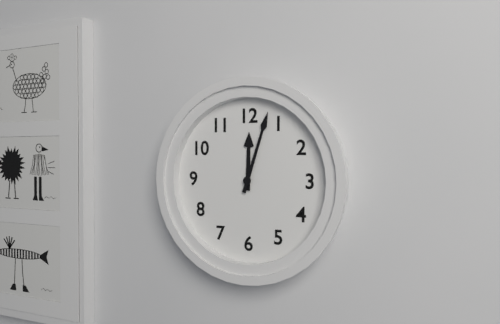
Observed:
{"hour": 12, "minute": 3}
